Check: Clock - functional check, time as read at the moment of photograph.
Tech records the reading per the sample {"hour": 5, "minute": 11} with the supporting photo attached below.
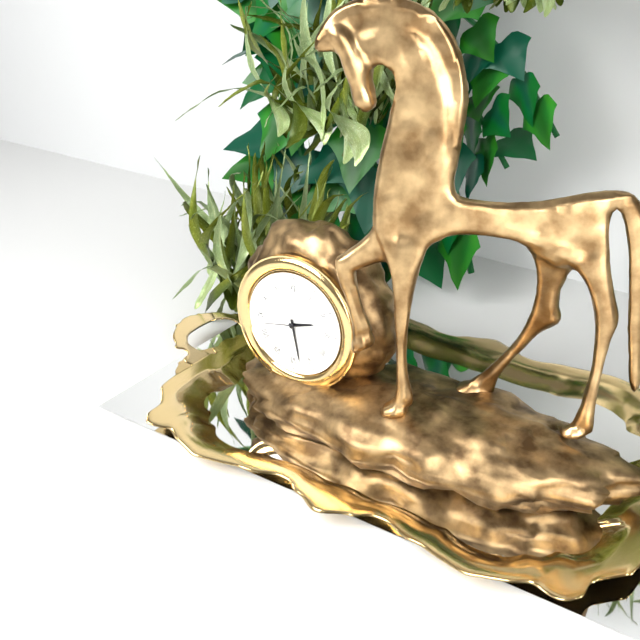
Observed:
{"hour": 2, "minute": 28}
